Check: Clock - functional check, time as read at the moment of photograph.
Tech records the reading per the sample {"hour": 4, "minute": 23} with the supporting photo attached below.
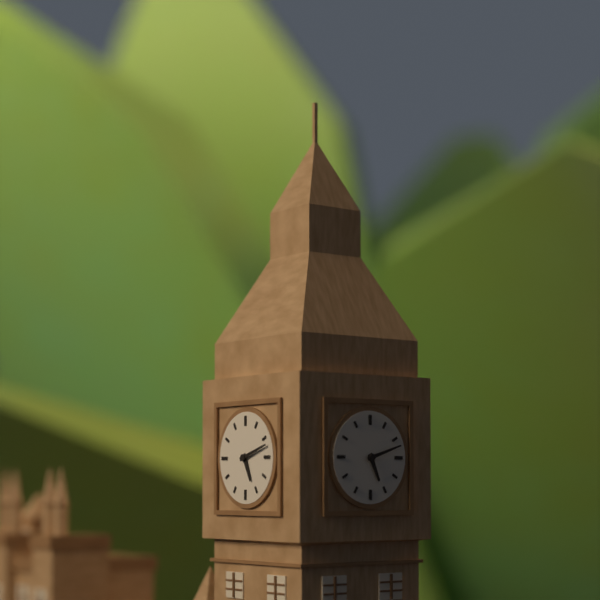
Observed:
{"hour": 5, "minute": 12}
